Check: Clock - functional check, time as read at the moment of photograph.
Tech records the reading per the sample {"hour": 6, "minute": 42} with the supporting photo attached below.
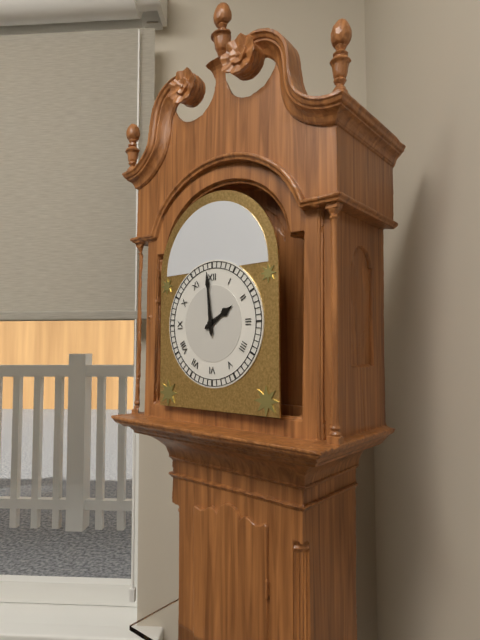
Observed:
{"hour": 1, "minute": 59}
